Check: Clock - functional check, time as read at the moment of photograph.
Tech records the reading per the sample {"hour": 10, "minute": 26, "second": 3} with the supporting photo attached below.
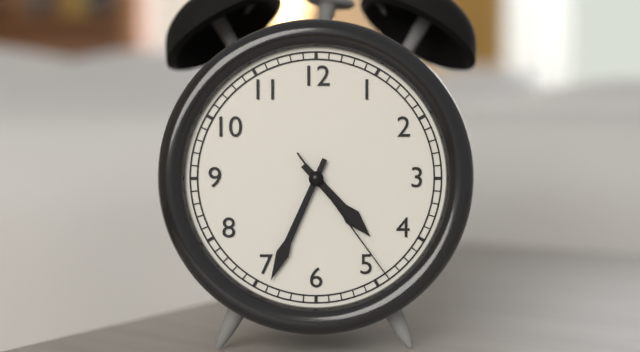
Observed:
{"hour": 4, "minute": 34, "second": 24}
